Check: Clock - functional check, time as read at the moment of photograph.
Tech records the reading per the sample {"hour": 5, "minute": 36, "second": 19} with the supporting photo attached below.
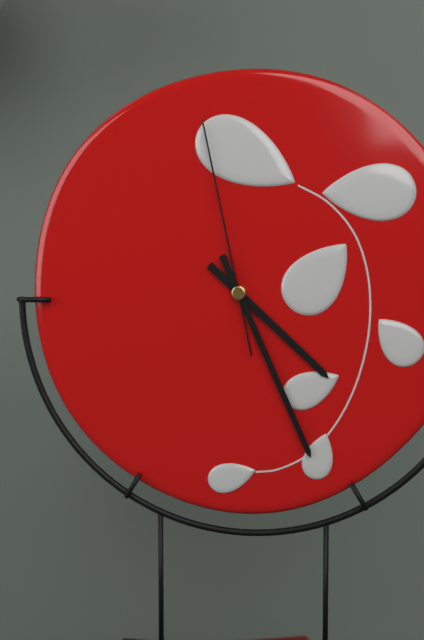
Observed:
{"hour": 4, "minute": 26, "second": 58}
